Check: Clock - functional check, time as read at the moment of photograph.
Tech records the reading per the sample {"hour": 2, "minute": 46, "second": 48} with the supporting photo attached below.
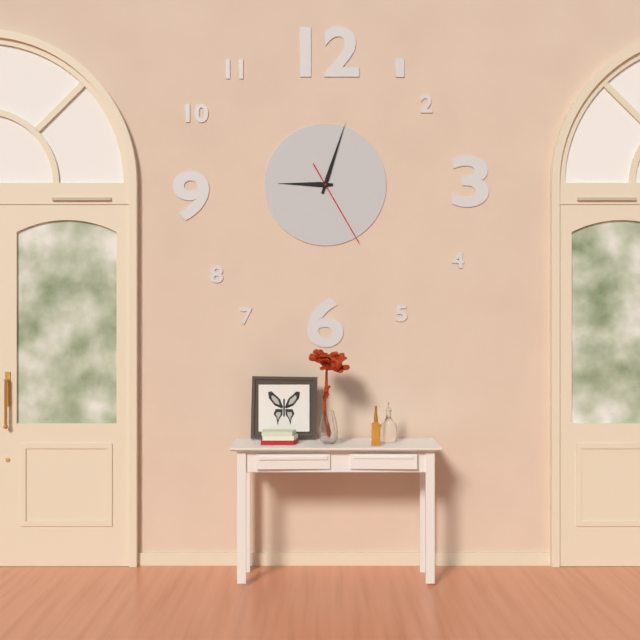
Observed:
{"hour": 9, "minute": 3, "second": 25}
